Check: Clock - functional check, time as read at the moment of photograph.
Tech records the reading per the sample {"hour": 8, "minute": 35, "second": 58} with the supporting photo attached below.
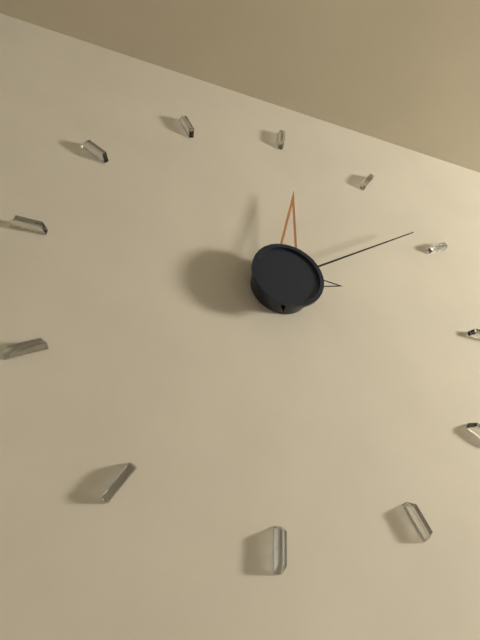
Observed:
{"hour": 12, "minute": 9, "second": 14}
